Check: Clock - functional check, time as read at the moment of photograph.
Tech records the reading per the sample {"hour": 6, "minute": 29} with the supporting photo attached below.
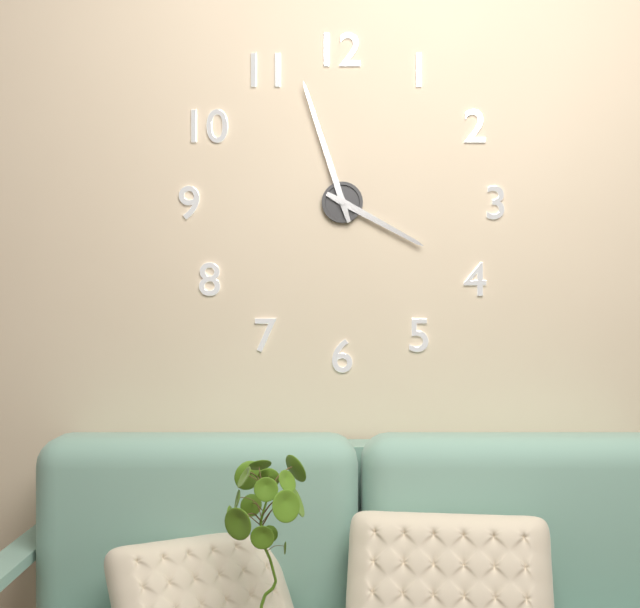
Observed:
{"hour": 3, "minute": 57}
